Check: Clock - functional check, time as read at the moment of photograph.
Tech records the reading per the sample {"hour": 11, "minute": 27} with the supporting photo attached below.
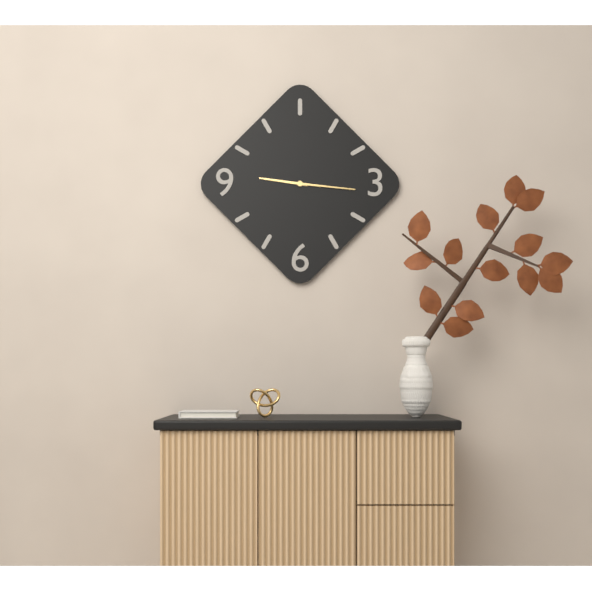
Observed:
{"hour": 9, "minute": 16}
